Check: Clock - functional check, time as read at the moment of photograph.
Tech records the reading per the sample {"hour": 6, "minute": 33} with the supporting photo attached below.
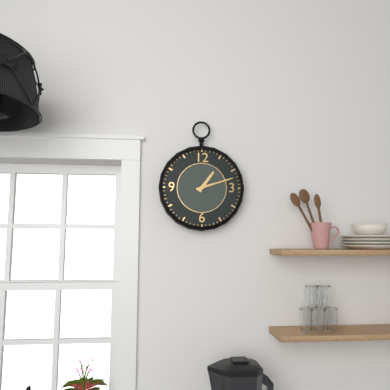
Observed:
{"hour": 1, "minute": 12}
